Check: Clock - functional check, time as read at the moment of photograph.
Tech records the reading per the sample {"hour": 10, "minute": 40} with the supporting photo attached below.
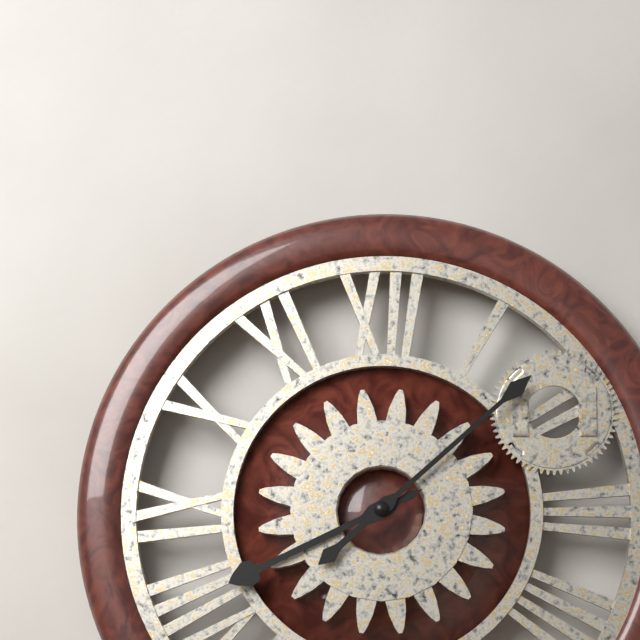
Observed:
{"hour": 8, "minute": 8}
